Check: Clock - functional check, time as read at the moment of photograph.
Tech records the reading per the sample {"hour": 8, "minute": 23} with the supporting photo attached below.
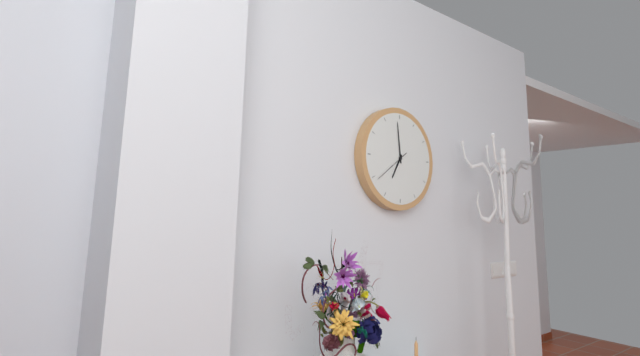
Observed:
{"hour": 6, "minute": 59}
